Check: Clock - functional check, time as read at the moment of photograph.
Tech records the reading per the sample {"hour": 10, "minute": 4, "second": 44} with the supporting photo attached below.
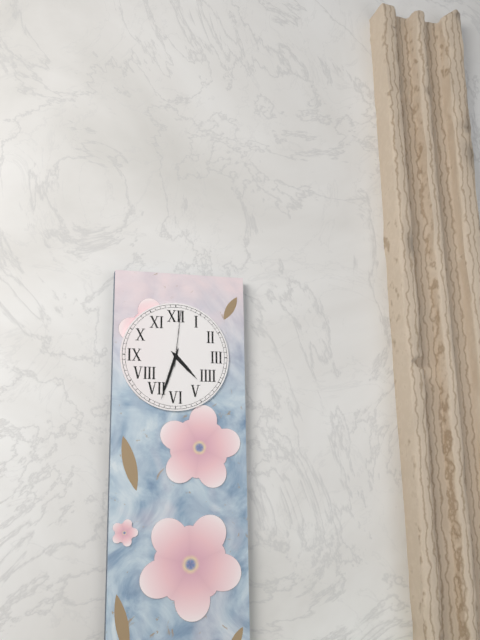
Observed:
{"hour": 4, "minute": 33, "second": 1}
